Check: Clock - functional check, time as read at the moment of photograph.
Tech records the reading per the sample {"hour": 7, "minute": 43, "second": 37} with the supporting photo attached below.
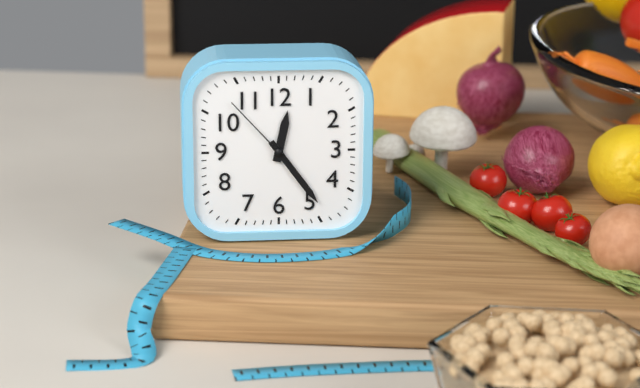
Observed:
{"hour": 12, "minute": 24, "second": 53}
